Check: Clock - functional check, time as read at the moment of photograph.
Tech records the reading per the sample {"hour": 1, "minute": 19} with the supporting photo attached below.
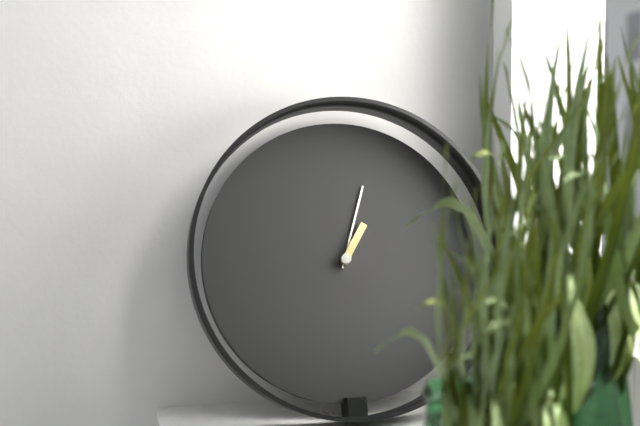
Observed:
{"hour": 1, "minute": 3}
